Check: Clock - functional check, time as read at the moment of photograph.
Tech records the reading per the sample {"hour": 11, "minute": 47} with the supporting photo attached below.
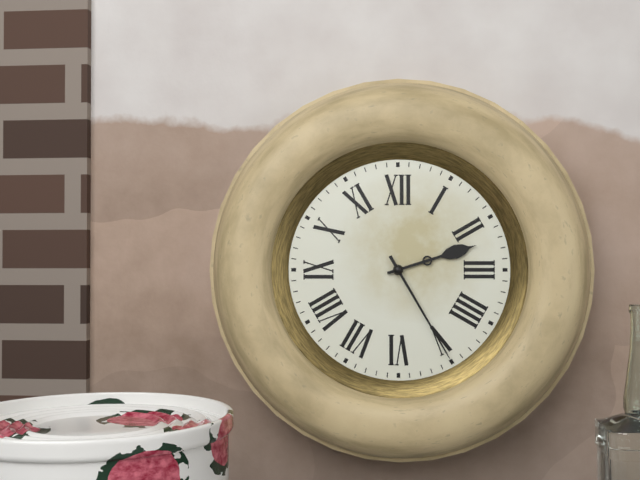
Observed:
{"hour": 2, "minute": 25}
